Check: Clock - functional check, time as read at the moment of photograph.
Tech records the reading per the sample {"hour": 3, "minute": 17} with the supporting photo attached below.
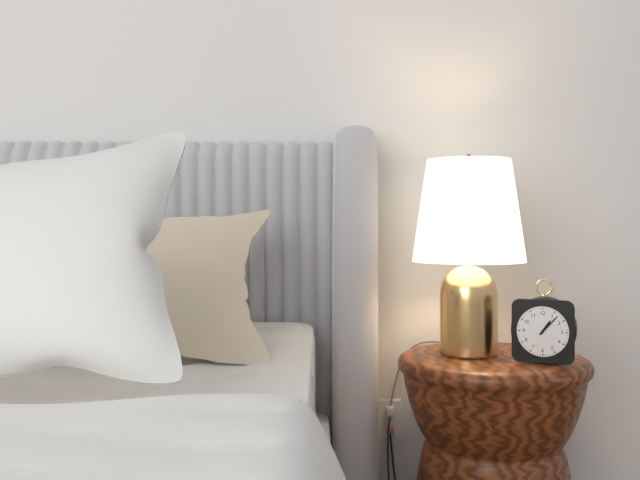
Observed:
{"hour": 1, "minute": 7}
